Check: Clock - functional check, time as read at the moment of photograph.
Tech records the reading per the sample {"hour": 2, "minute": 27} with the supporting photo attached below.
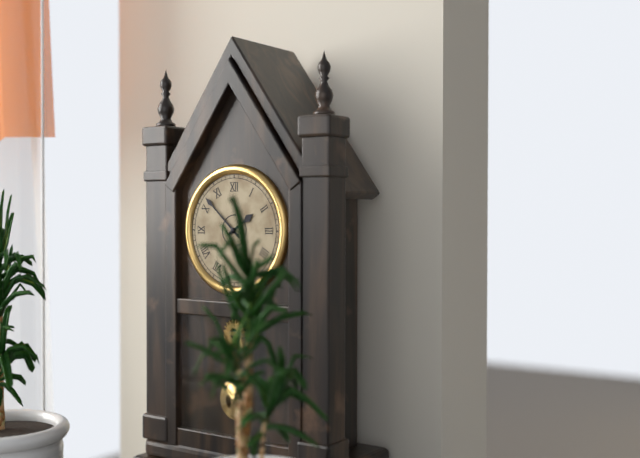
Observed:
{"hour": 1, "minute": 52}
